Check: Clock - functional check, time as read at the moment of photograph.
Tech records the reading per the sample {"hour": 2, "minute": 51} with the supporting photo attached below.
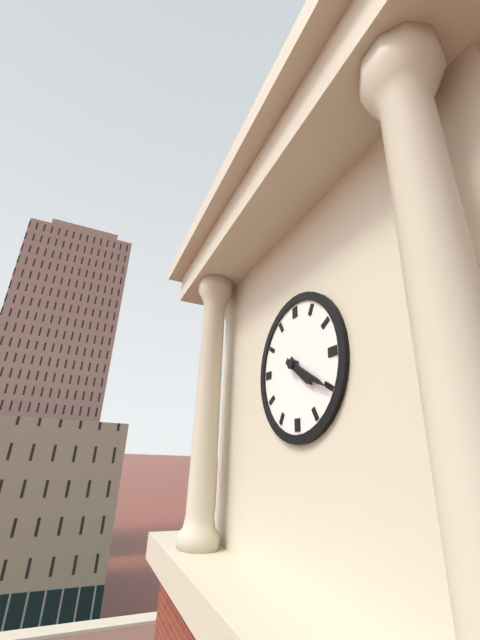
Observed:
{"hour": 4, "minute": 20}
